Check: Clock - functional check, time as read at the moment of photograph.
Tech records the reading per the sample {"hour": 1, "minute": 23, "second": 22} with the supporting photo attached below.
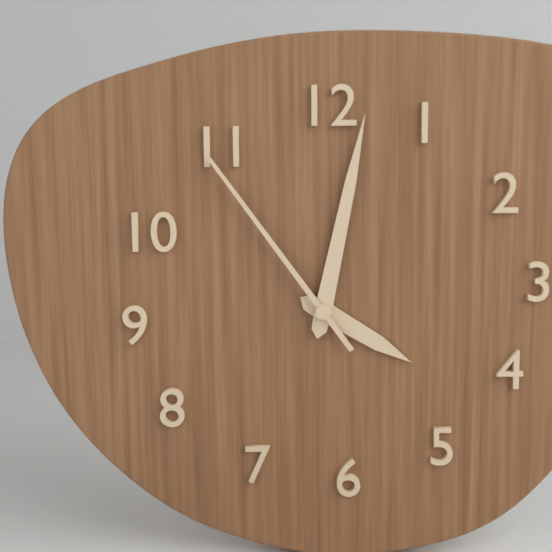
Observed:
{"hour": 4, "minute": 2, "second": 54}
